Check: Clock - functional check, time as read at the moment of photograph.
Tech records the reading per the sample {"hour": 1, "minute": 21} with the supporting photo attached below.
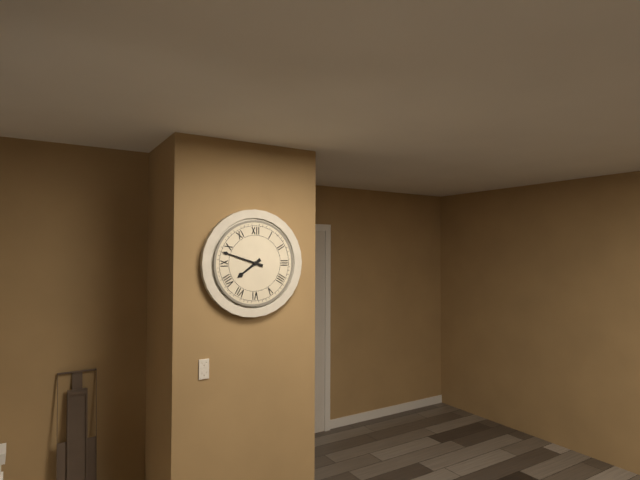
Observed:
{"hour": 7, "minute": 48}
